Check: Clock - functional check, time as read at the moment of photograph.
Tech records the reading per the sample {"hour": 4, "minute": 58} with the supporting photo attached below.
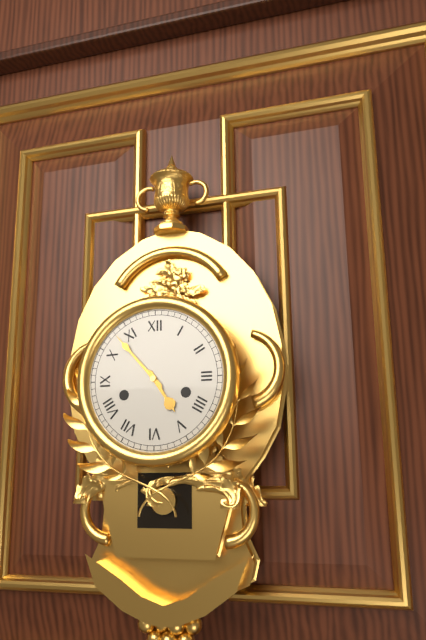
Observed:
{"hour": 4, "minute": 53}
